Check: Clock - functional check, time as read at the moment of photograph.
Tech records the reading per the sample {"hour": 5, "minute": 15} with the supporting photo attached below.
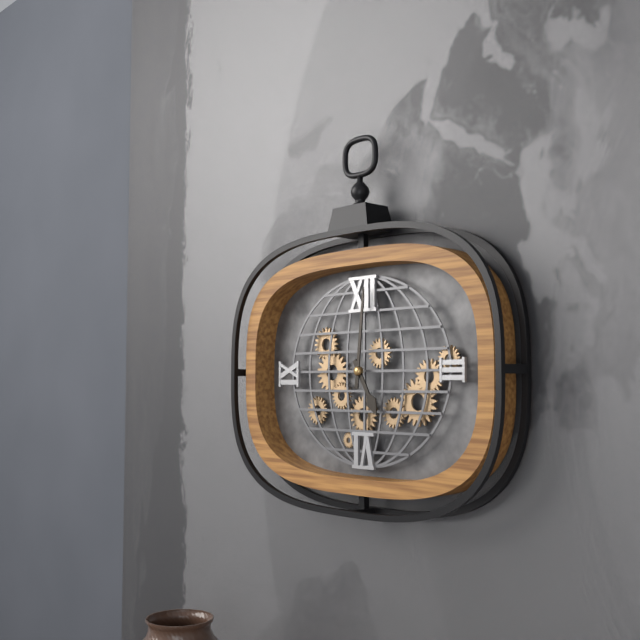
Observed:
{"hour": 5, "minute": 1}
